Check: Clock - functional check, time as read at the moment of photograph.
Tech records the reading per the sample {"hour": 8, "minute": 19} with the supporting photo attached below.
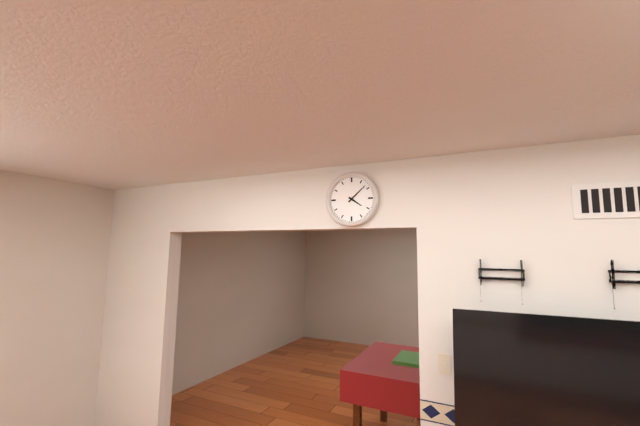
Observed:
{"hour": 4, "minute": 8}
